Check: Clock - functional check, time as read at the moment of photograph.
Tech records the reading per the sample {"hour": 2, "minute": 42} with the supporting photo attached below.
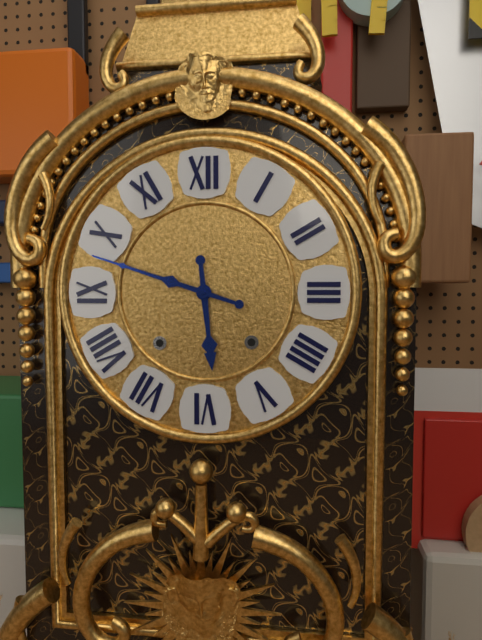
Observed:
{"hour": 5, "minute": 48}
